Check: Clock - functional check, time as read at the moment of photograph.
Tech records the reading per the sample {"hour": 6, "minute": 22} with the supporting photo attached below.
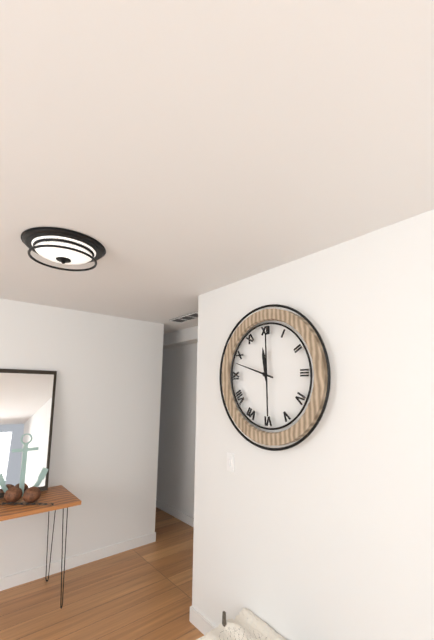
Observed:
{"hour": 11, "minute": 48}
